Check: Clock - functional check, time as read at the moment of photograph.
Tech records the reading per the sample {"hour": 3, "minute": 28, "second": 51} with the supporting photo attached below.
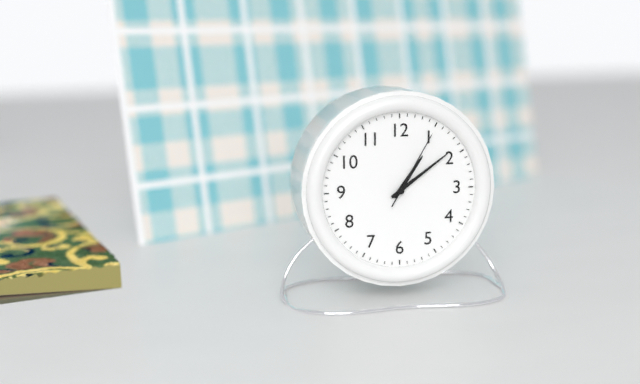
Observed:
{"hour": 1, "minute": 9, "second": 5}
